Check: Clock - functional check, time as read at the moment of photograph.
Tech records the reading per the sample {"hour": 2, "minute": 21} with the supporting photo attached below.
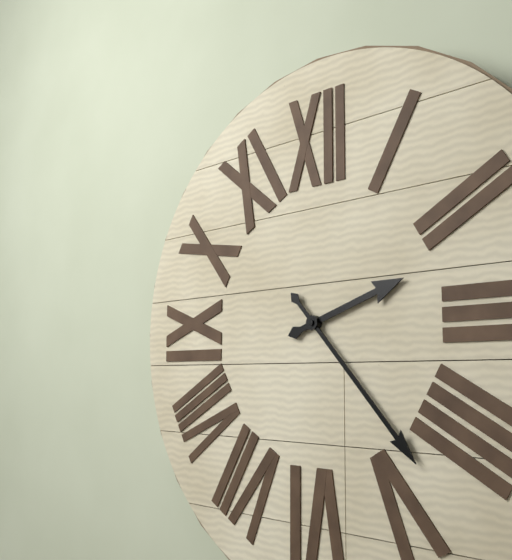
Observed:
{"hour": 2, "minute": 23}
